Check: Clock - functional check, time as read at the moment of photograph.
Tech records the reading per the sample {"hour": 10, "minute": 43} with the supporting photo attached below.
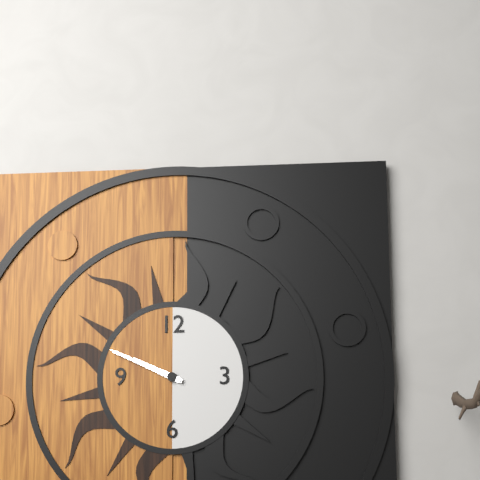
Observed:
{"hour": 9, "minute": 49}
